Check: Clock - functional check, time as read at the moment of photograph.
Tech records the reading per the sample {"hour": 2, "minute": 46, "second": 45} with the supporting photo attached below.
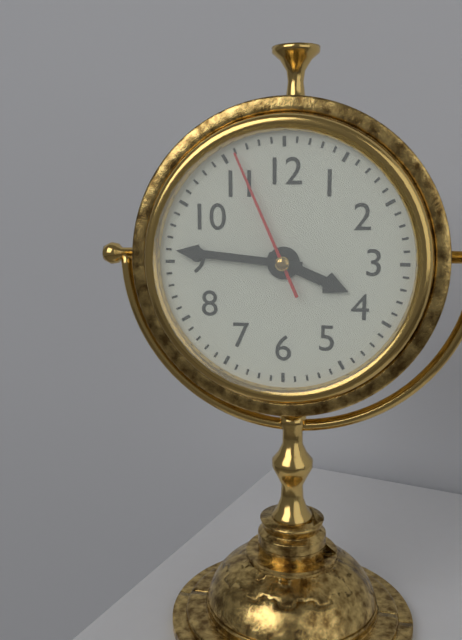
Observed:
{"hour": 3, "minute": 46, "second": 56}
